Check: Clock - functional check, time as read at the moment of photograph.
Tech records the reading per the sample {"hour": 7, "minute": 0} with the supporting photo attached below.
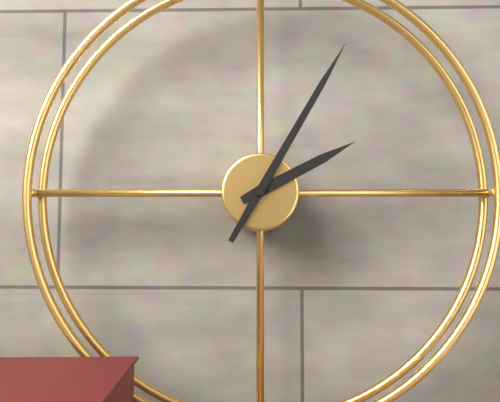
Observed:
{"hour": 2, "minute": 5}
